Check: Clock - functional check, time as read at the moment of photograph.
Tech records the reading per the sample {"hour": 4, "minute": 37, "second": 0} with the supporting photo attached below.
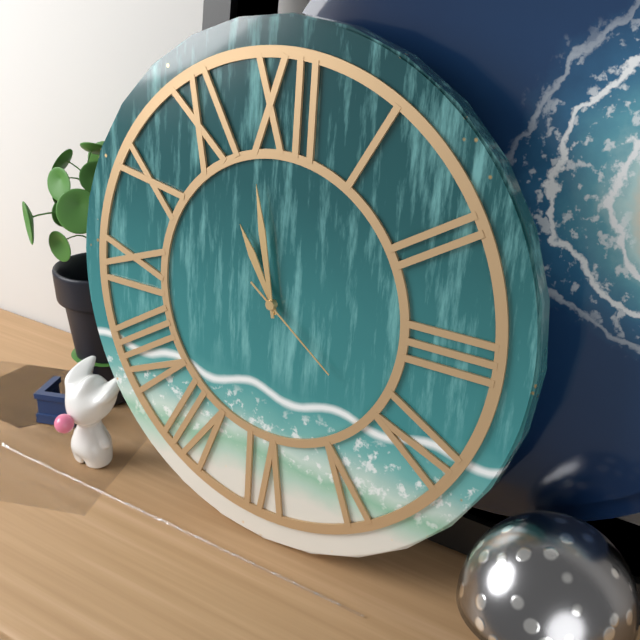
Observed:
{"hour": 10, "minute": 58, "second": 21}
